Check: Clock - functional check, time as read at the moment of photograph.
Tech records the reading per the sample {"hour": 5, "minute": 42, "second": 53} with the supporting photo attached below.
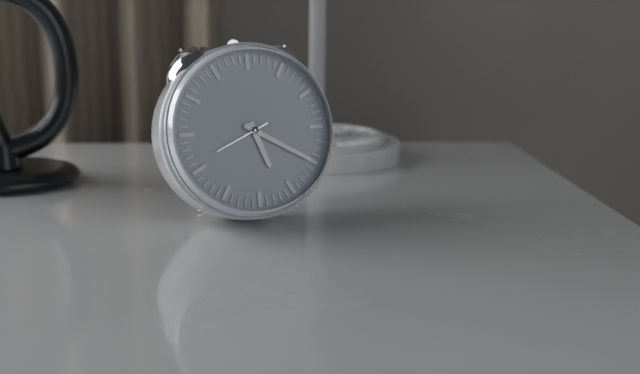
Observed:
{"hour": 5, "minute": 20, "second": 41}
